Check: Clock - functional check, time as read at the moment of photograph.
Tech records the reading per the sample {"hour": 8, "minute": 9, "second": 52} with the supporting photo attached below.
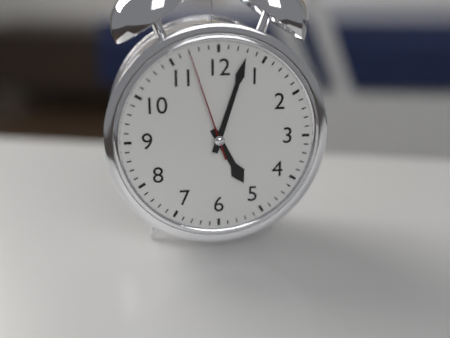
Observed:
{"hour": 5, "minute": 3, "second": 57}
